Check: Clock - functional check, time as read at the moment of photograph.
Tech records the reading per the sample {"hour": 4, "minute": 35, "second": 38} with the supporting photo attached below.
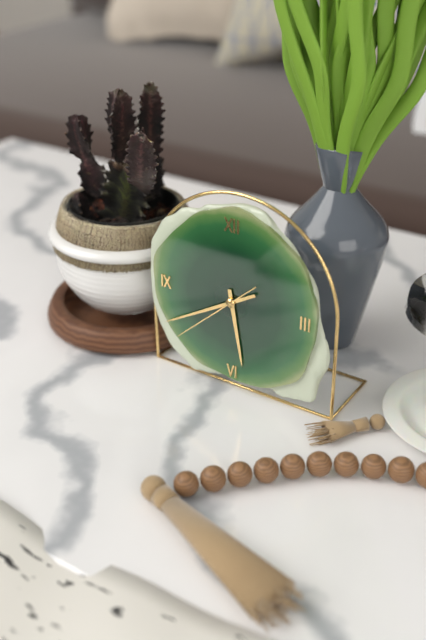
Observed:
{"hour": 5, "minute": 40, "second": 38}
